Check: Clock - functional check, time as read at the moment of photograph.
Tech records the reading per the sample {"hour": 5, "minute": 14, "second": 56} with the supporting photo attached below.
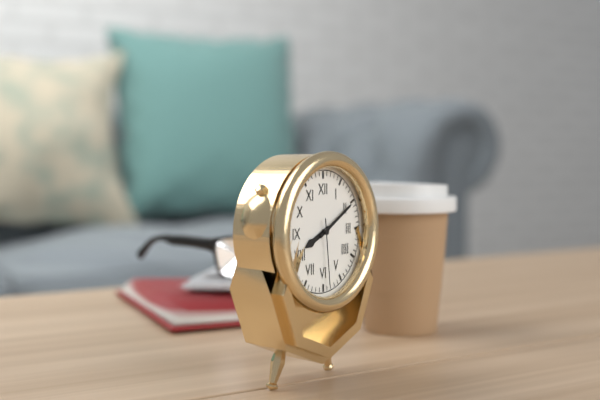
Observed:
{"hour": 8, "minute": 10, "second": 29}
